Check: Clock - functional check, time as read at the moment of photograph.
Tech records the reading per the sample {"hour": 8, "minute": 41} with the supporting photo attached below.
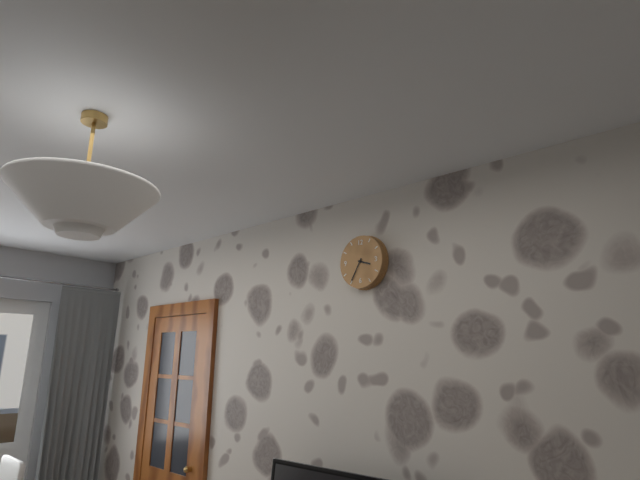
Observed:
{"hour": 3, "minute": 35}
